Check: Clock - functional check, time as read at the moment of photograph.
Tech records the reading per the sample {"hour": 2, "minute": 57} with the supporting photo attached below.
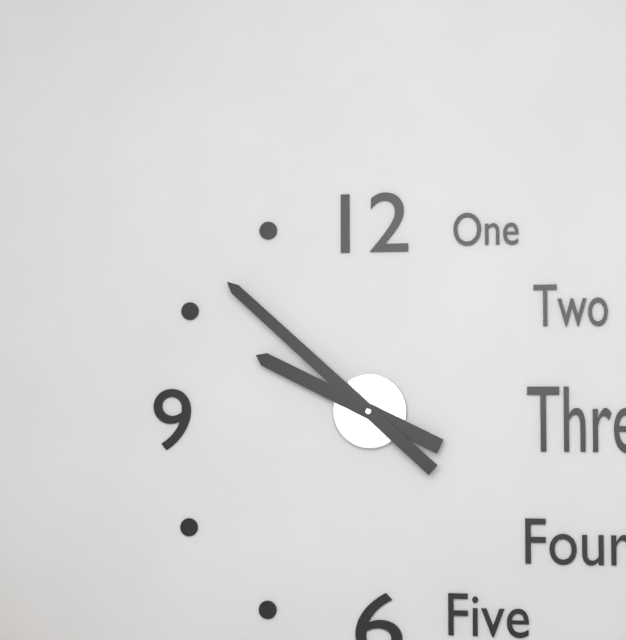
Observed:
{"hour": 9, "minute": 52}
